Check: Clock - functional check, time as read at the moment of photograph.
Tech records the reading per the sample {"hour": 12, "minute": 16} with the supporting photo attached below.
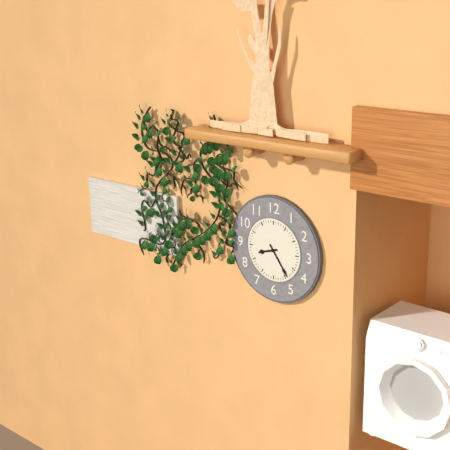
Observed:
{"hour": 8, "minute": 24}
